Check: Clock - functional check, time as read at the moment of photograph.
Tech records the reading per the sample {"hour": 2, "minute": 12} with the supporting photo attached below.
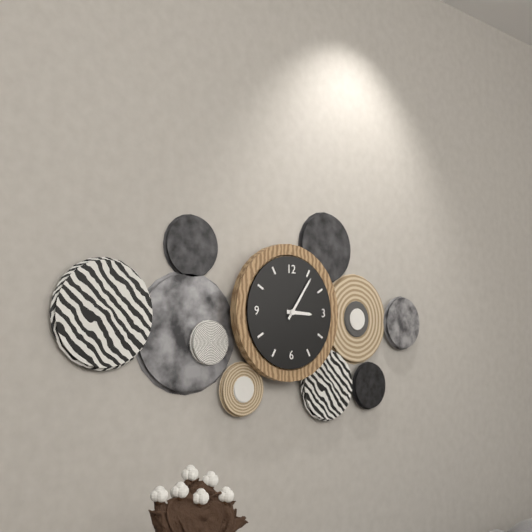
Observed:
{"hour": 3, "minute": 6}
